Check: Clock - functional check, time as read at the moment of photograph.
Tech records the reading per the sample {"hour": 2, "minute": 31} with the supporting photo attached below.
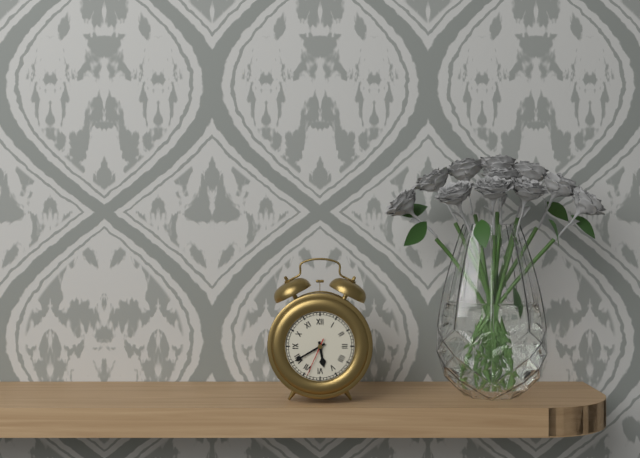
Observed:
{"hour": 5, "minute": 40}
